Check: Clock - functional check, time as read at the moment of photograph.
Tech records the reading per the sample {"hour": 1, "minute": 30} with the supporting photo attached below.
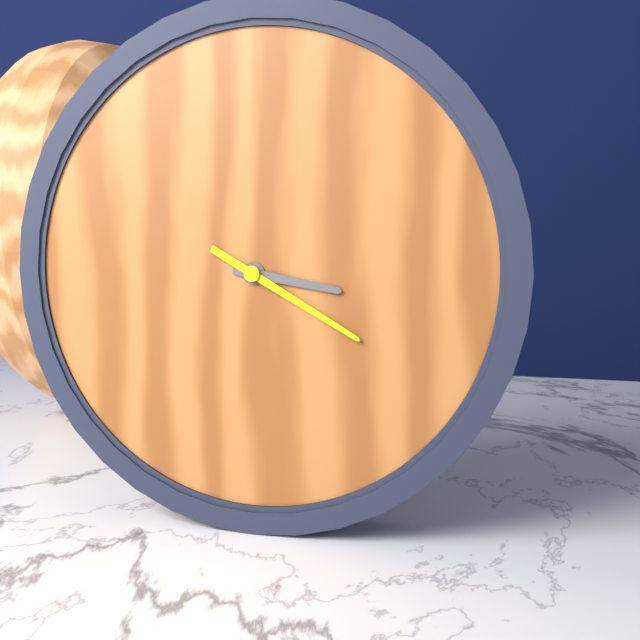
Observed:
{"hour": 3, "minute": 20}
